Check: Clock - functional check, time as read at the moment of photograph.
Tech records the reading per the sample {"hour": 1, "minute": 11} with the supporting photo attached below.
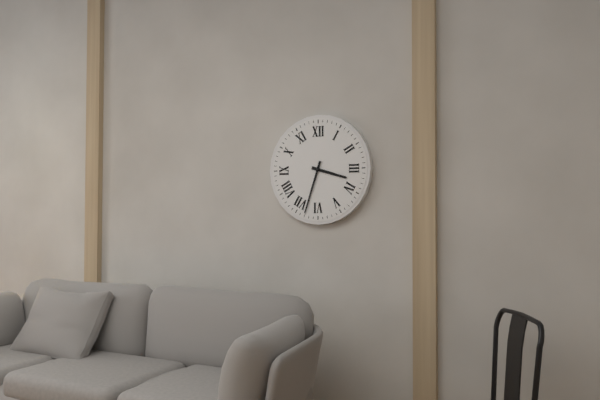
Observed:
{"hour": 3, "minute": 33}
